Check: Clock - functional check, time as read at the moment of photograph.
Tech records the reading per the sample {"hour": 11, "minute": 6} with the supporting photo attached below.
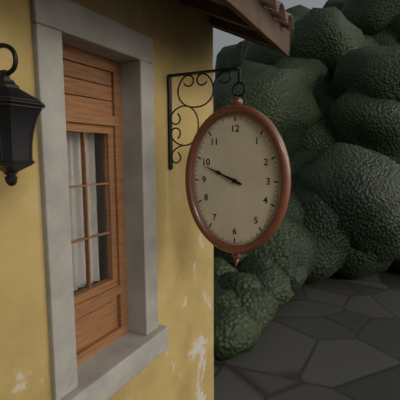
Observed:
{"hour": 9, "minute": 49}
